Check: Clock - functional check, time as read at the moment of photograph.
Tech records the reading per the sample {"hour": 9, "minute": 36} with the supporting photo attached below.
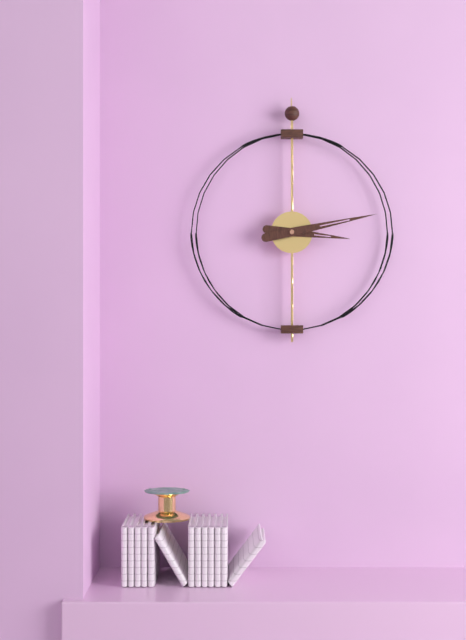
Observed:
{"hour": 3, "minute": 13}
